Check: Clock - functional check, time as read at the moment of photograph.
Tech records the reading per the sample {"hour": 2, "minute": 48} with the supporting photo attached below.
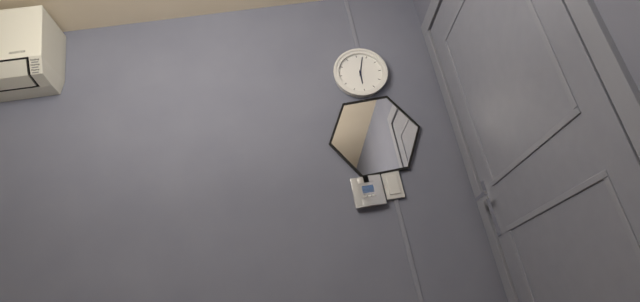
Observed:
{"hour": 6, "minute": 3}
